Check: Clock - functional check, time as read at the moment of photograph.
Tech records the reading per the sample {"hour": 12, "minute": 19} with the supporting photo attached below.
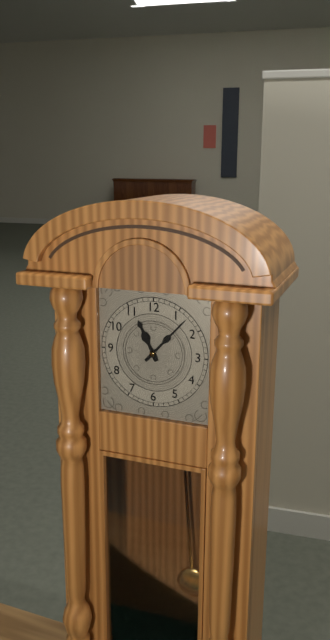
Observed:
{"hour": 11, "minute": 7}
